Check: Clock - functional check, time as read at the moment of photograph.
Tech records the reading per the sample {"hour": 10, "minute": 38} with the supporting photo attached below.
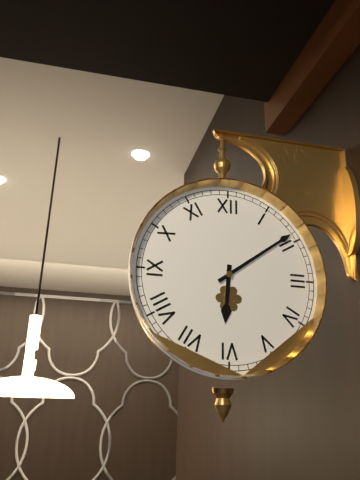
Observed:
{"hour": 6, "minute": 9}
